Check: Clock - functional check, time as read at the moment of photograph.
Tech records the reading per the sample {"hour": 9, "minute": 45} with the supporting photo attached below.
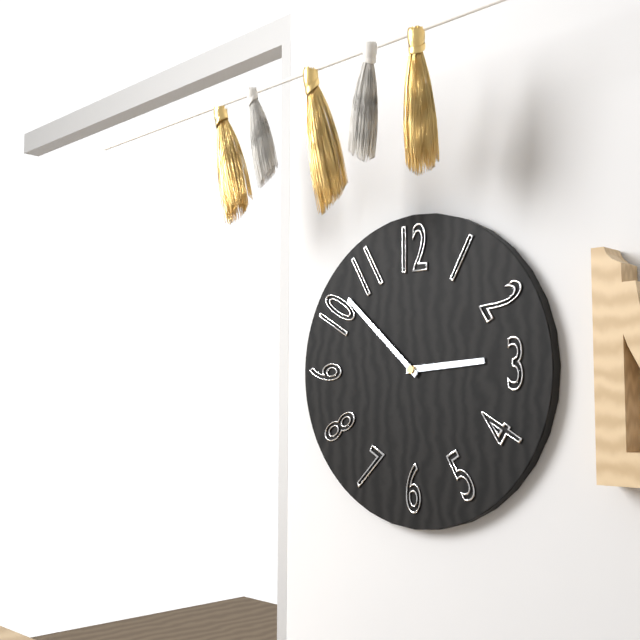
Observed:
{"hour": 2, "minute": 52}
